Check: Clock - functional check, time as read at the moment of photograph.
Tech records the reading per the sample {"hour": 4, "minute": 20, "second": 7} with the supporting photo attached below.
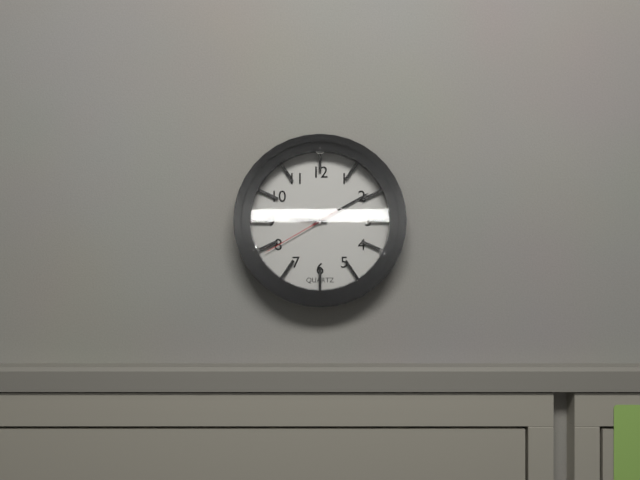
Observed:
{"hour": 9, "minute": 10, "second": 40}
